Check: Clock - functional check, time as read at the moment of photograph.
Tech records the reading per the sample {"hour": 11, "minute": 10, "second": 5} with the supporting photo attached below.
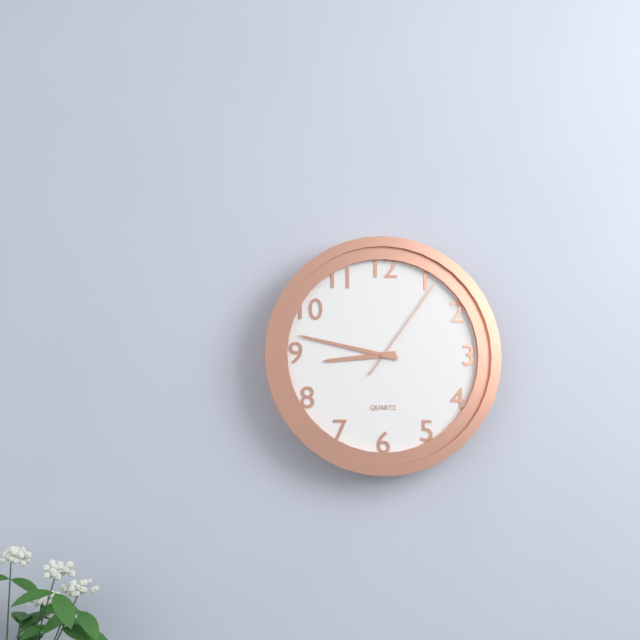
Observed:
{"hour": 8, "minute": 47, "second": 6}
